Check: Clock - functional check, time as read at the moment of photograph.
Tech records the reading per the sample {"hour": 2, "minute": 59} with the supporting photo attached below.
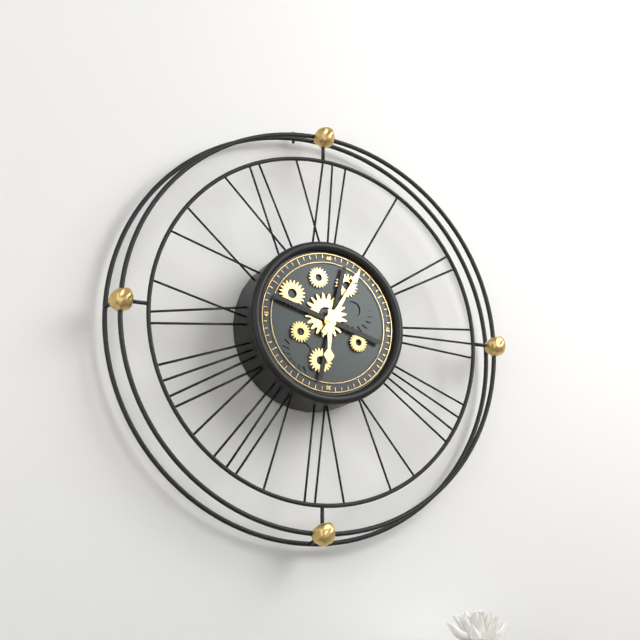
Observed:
{"hour": 6, "minute": 5}
